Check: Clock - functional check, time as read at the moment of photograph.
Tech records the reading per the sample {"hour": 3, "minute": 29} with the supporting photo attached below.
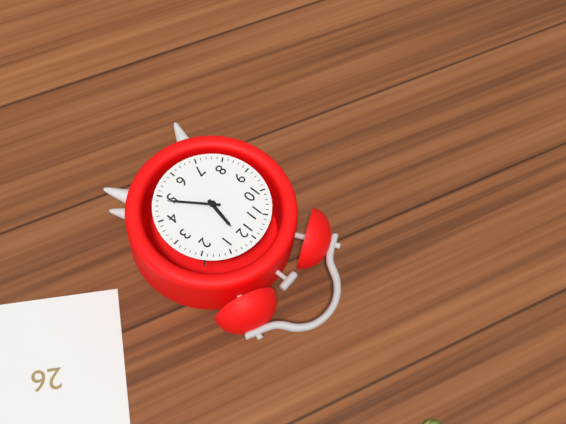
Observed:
{"hour": 12, "minute": 24}
